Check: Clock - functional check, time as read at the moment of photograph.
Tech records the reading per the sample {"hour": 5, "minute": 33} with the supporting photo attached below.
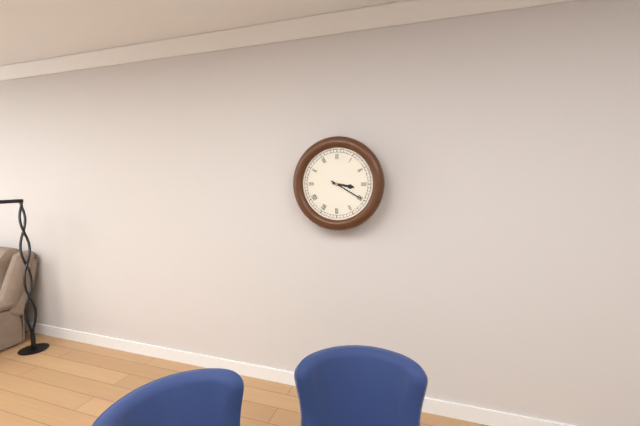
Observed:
{"hour": 3, "minute": 20}
